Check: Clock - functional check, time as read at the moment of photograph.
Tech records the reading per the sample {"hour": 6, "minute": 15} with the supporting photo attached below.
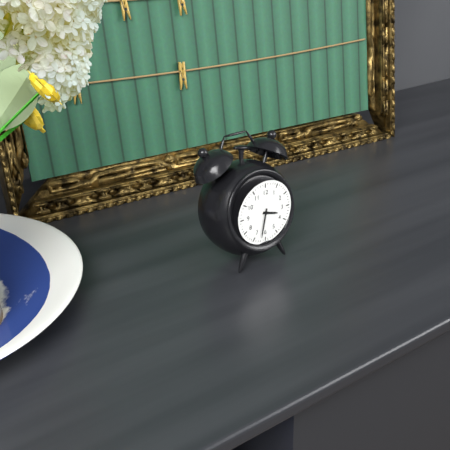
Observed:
{"hour": 3, "minute": 32}
